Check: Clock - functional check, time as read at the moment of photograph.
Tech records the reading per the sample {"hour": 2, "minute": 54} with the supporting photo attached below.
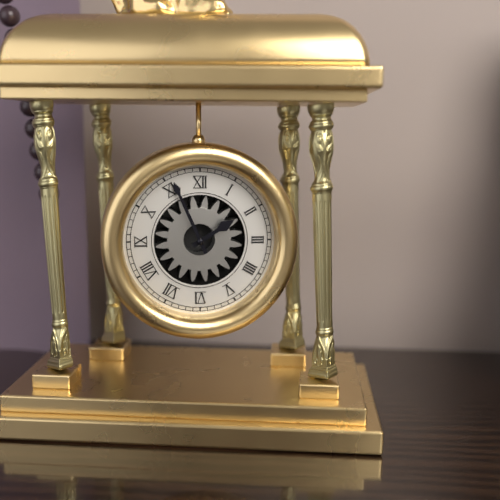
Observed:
{"hour": 1, "minute": 56}
